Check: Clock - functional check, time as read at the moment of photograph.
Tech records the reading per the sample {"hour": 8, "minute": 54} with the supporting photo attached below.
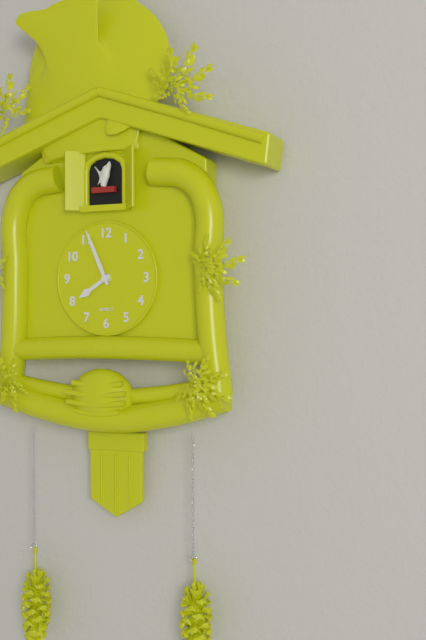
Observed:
{"hour": 7, "minute": 56}
